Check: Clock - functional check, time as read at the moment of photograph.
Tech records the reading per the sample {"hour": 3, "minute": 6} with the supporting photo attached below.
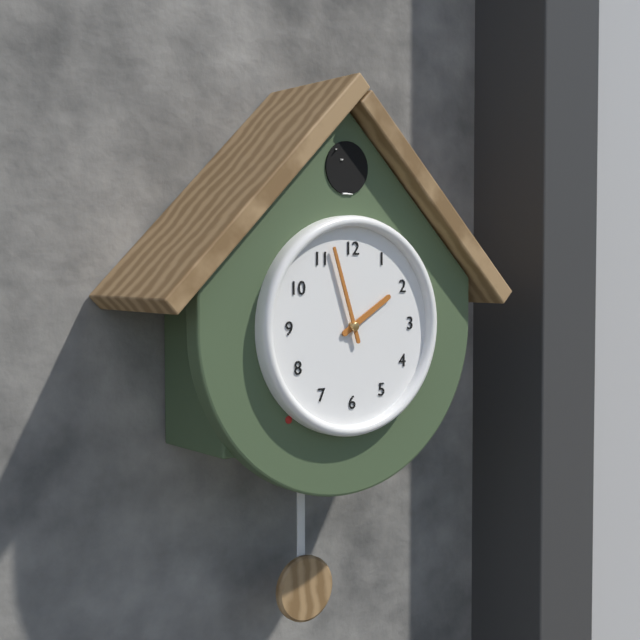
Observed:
{"hour": 1, "minute": 57}
